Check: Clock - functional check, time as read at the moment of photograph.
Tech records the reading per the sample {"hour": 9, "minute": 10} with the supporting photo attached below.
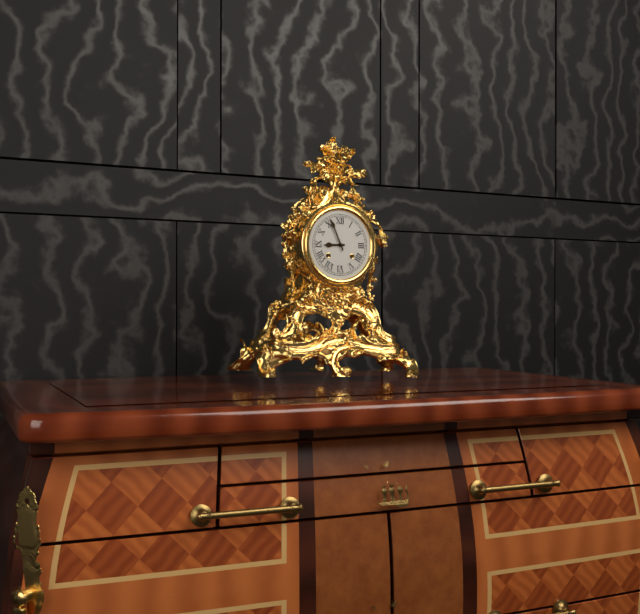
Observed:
{"hour": 8, "minute": 56}
